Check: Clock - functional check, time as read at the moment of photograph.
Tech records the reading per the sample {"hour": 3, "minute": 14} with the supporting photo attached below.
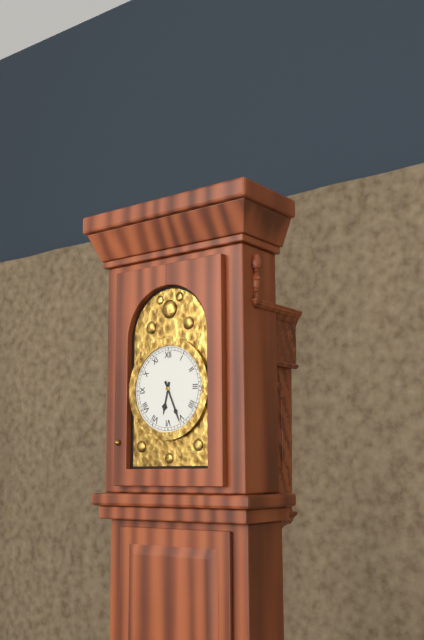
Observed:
{"hour": 6, "minute": 26}
